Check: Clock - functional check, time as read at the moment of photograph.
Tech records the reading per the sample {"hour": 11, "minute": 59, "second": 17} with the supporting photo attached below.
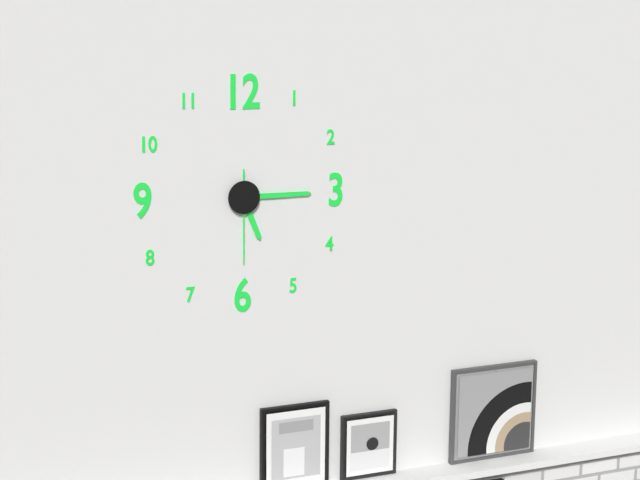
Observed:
{"hour": 5, "minute": 15, "second": 30}
